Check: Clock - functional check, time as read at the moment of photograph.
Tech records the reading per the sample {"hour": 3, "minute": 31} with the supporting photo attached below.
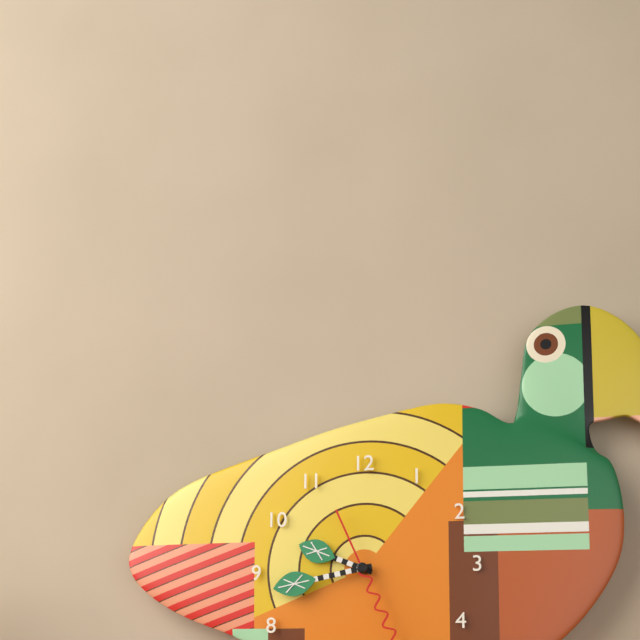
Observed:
{"hour": 9, "minute": 43}
